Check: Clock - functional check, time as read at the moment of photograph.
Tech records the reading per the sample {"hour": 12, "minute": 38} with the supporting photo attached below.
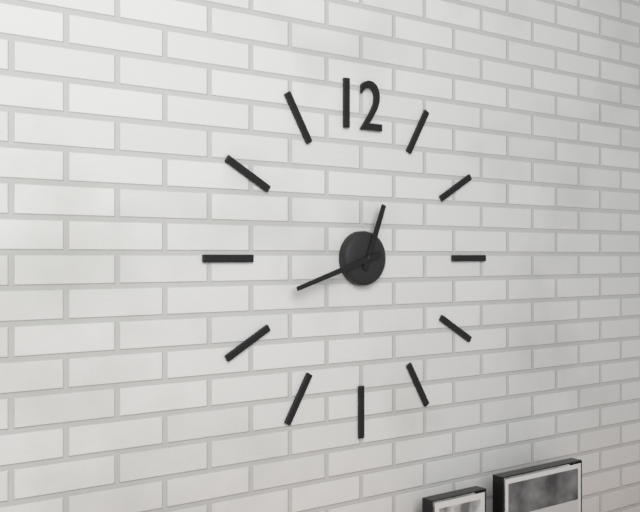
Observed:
{"hour": 12, "minute": 42}
